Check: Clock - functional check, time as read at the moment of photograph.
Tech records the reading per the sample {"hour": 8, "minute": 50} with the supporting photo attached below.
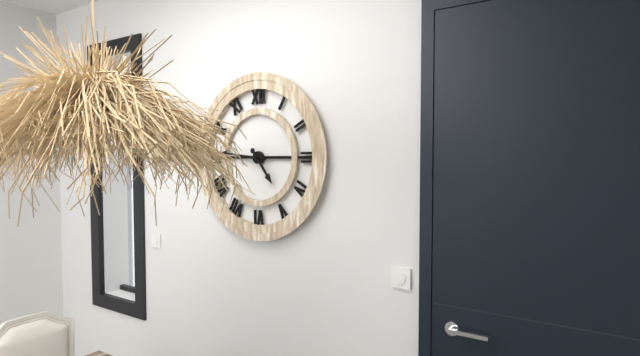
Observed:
{"hour": 4, "minute": 46}
